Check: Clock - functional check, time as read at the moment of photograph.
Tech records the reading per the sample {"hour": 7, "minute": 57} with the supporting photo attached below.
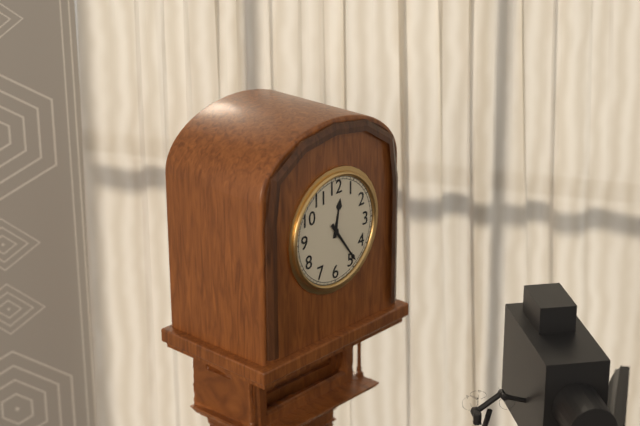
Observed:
{"hour": 12, "minute": 24}
